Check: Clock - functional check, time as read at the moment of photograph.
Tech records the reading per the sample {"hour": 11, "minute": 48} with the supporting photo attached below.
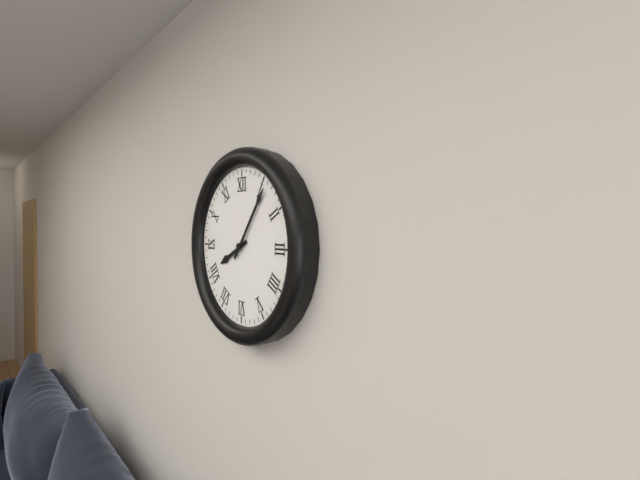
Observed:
{"hour": 8, "minute": 6}
